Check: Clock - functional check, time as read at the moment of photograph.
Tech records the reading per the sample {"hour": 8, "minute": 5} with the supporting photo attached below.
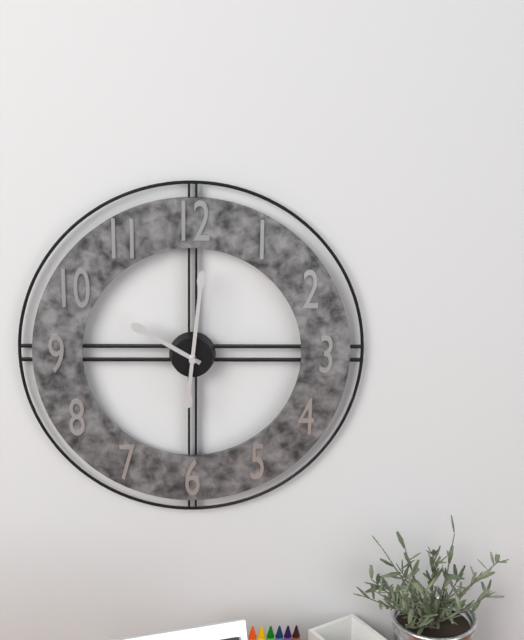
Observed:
{"hour": 10, "minute": 1}
